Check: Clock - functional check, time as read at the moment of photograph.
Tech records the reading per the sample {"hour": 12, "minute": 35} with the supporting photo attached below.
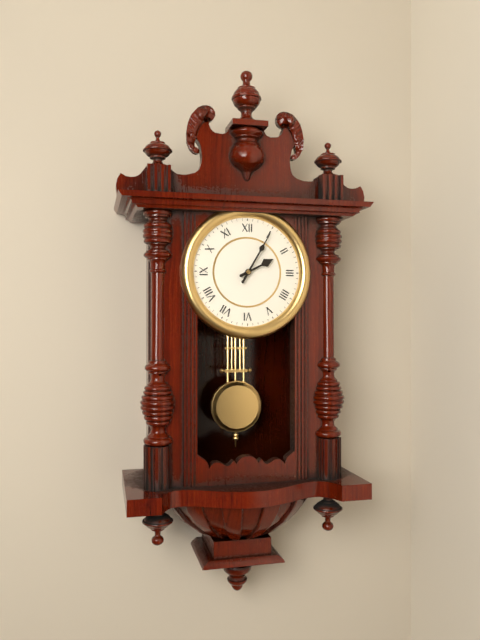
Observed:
{"hour": 2, "minute": 5}
